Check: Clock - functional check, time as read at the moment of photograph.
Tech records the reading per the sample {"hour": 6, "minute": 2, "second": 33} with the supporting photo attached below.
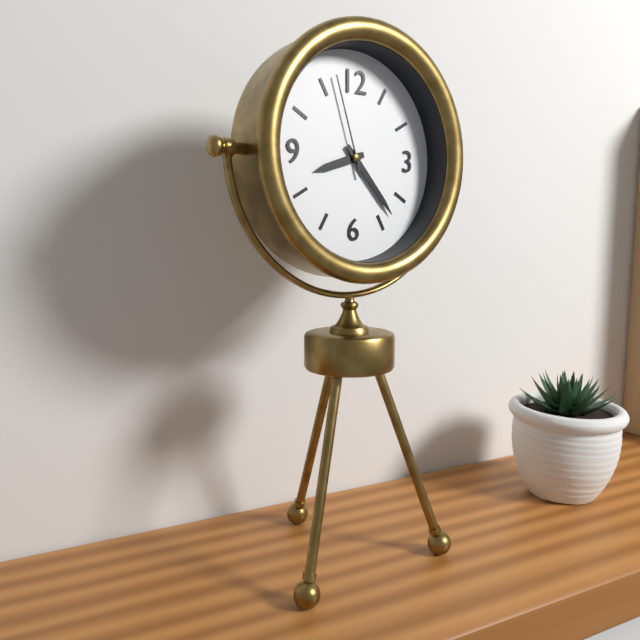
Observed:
{"hour": 8, "minute": 23, "second": 57}
